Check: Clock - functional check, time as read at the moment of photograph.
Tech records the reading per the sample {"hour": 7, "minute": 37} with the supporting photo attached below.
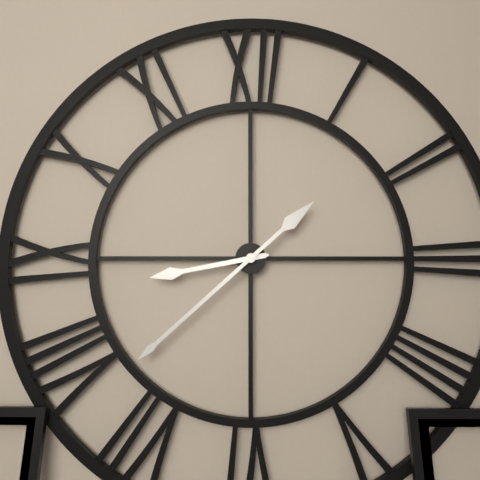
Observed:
{"hour": 8, "minute": 38}
